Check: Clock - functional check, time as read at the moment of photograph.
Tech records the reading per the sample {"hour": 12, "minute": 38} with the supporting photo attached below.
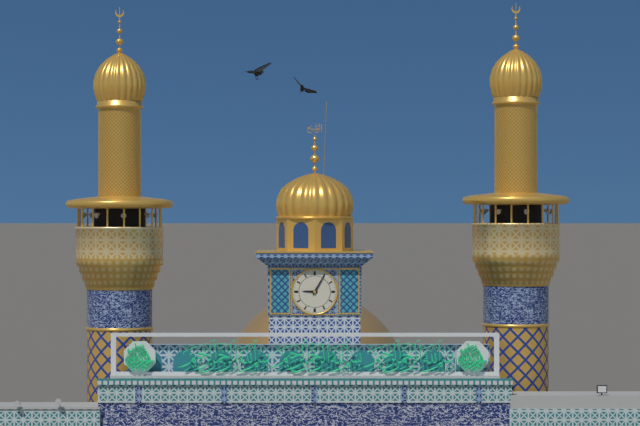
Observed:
{"hour": 9, "minute": 5}
